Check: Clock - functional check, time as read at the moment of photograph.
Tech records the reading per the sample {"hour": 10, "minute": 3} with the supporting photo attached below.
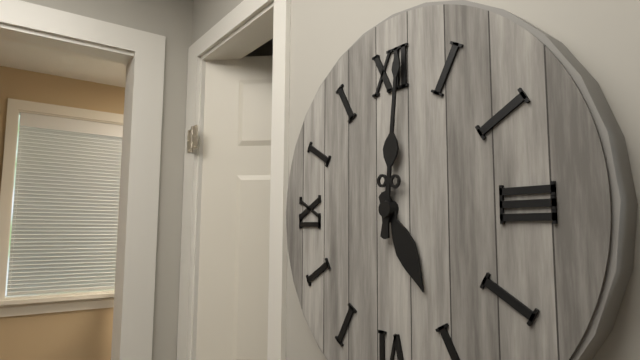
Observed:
{"hour": 5, "minute": 1}
